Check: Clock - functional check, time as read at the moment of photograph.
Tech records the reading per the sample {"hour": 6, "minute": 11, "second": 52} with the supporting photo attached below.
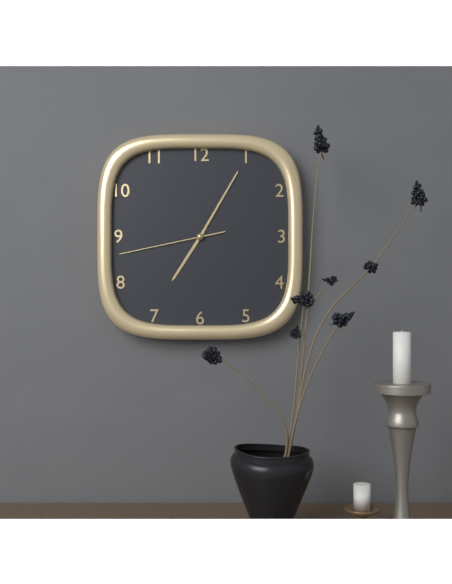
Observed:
{"hour": 7, "minute": 5, "second": 43}
